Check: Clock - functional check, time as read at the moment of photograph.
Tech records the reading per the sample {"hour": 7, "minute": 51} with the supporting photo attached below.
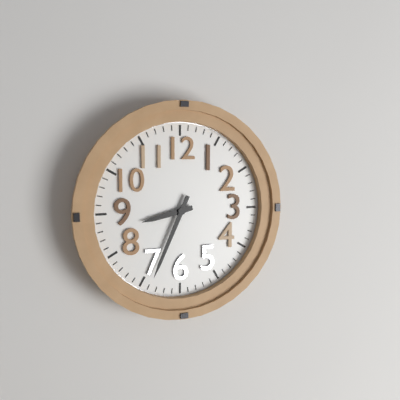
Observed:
{"hour": 8, "minute": 34}
